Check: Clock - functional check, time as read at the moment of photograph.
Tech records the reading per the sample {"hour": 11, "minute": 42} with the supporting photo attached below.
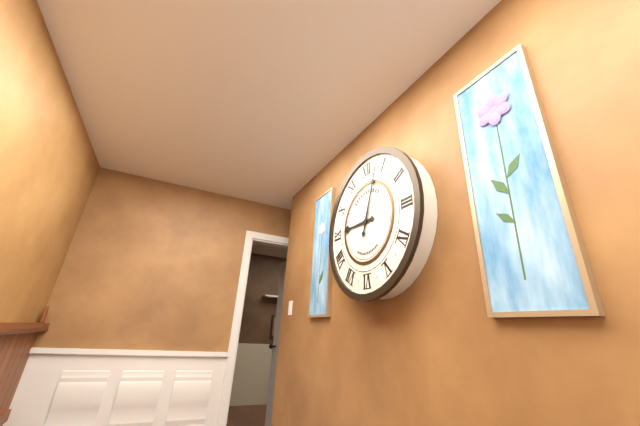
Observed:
{"hour": 9, "minute": 3}
